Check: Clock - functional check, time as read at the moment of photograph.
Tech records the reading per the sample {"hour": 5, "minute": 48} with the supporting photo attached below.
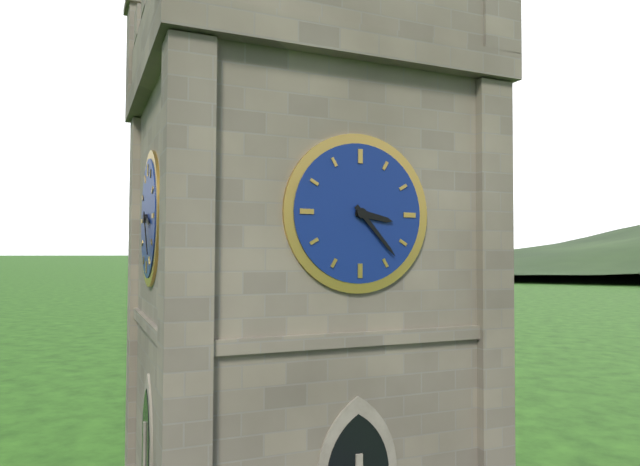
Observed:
{"hour": 3, "minute": 23}
